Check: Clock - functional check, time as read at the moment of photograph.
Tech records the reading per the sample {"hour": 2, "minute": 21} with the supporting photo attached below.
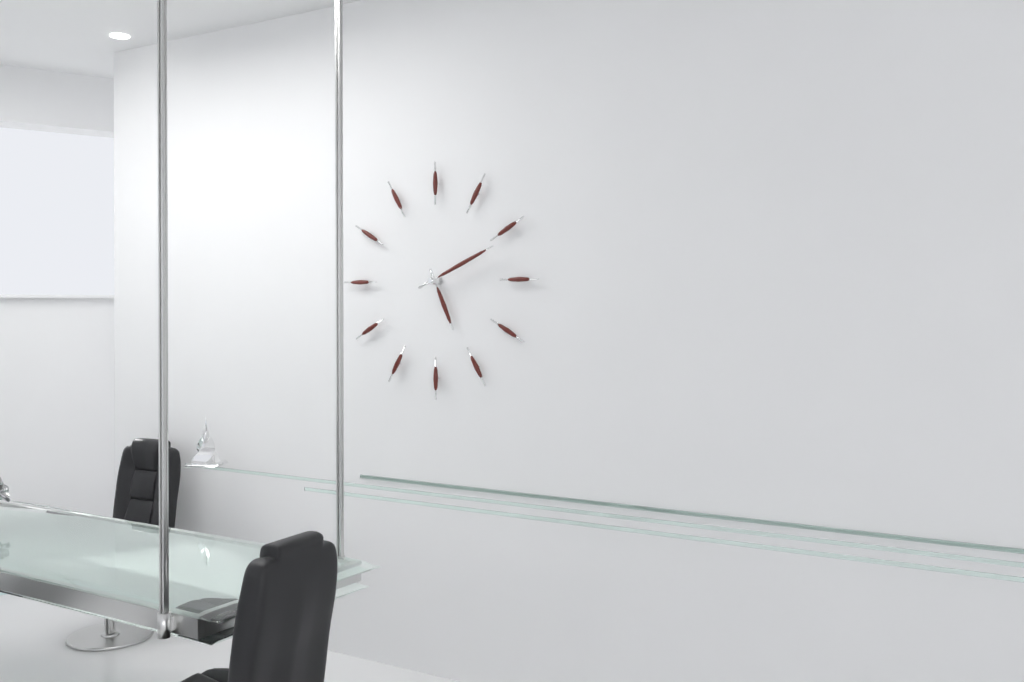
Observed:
{"hour": 5, "minute": 11}
